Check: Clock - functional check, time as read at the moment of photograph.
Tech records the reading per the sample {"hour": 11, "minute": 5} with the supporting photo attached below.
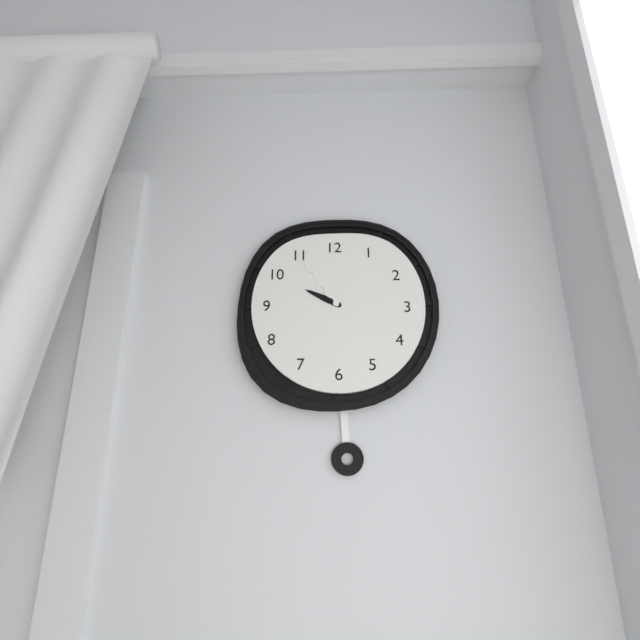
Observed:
{"hour": 9, "minute": 54}
